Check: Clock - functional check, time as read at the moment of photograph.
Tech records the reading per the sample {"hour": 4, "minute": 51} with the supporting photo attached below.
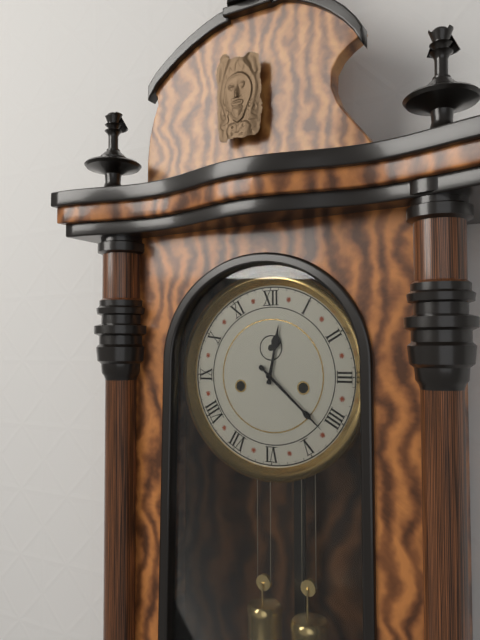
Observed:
{"hour": 12, "minute": 22}
